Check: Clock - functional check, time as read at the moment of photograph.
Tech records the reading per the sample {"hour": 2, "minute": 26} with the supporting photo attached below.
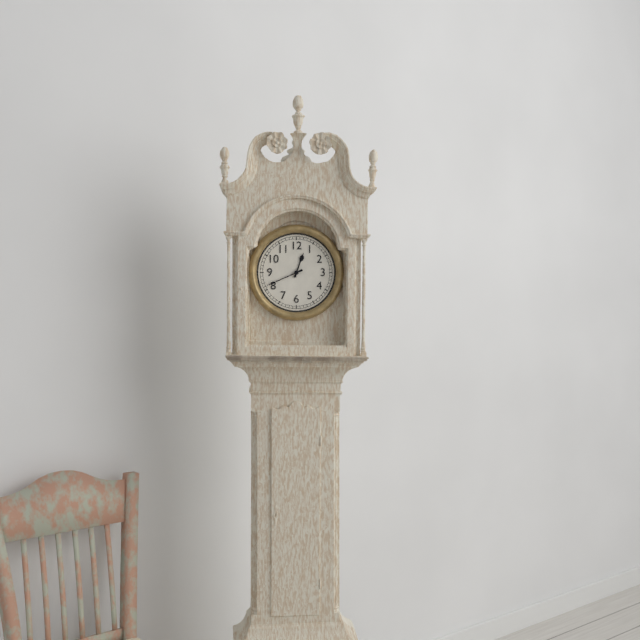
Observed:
{"hour": 12, "minute": 41}
